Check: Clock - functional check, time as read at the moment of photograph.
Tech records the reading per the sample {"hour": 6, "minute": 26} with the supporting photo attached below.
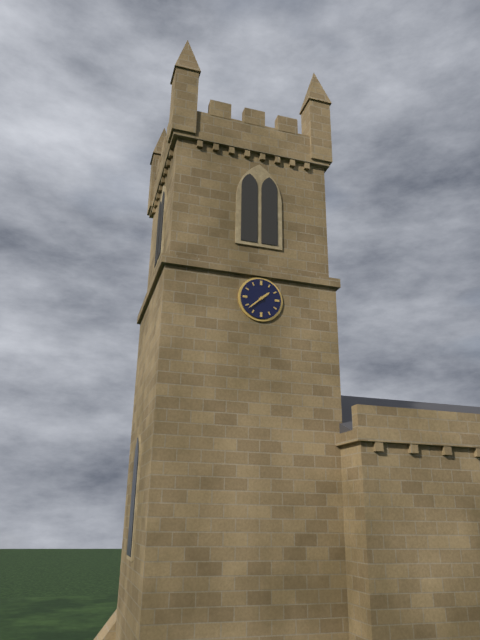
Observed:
{"hour": 1, "minute": 38}
